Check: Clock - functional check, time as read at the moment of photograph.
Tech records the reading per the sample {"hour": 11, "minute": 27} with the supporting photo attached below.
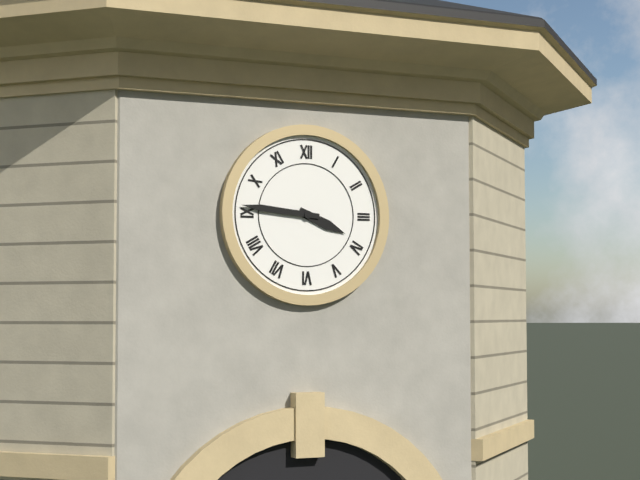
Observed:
{"hour": 3, "minute": 46}
